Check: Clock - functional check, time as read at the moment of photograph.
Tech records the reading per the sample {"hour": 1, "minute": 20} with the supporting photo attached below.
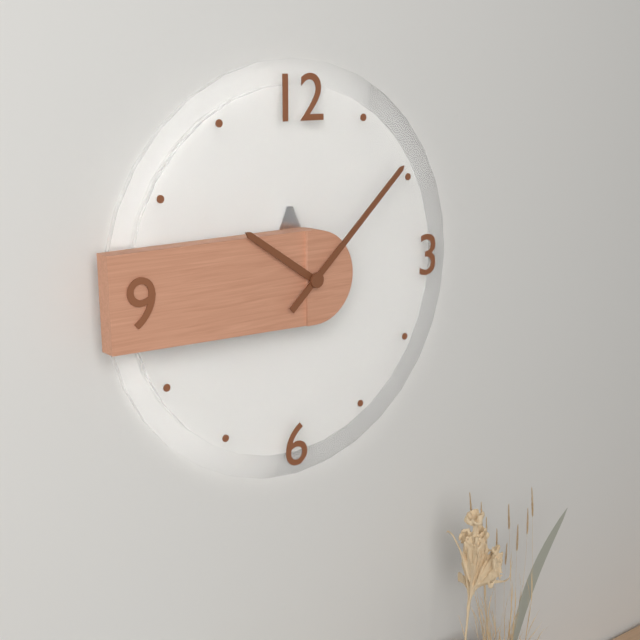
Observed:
{"hour": 10, "minute": 8}
